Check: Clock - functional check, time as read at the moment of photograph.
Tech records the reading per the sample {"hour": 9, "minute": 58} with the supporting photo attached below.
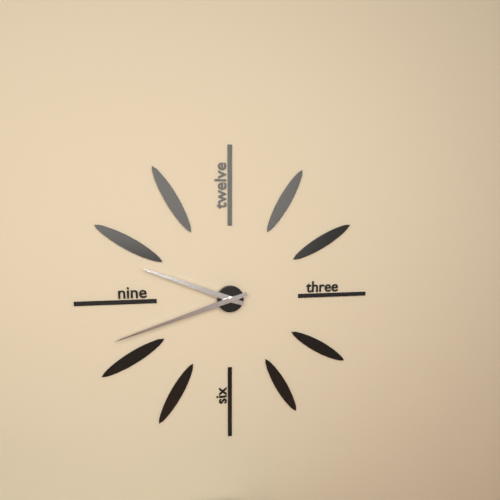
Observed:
{"hour": 9, "minute": 42}
